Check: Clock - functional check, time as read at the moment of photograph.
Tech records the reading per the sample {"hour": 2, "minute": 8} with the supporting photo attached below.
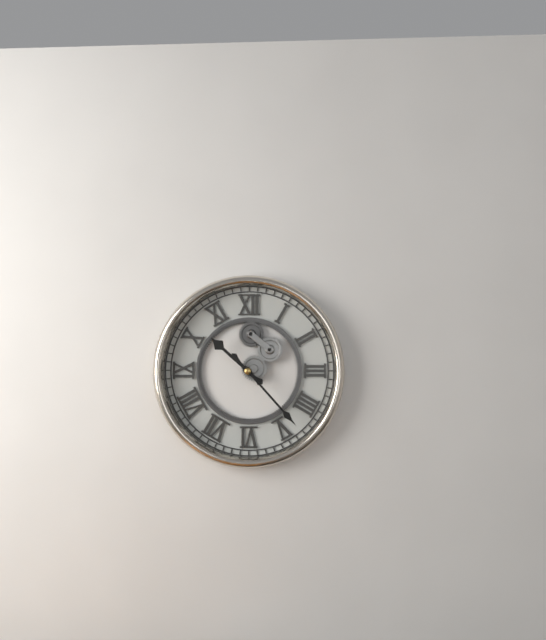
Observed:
{"hour": 10, "minute": 23}
